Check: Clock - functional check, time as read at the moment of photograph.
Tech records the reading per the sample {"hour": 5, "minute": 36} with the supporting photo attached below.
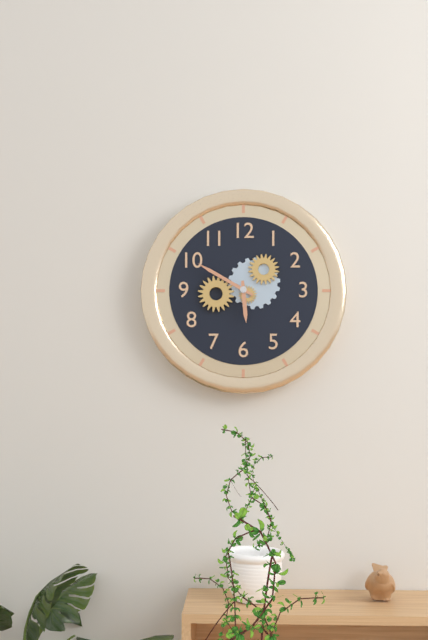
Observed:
{"hour": 5, "minute": 50}
